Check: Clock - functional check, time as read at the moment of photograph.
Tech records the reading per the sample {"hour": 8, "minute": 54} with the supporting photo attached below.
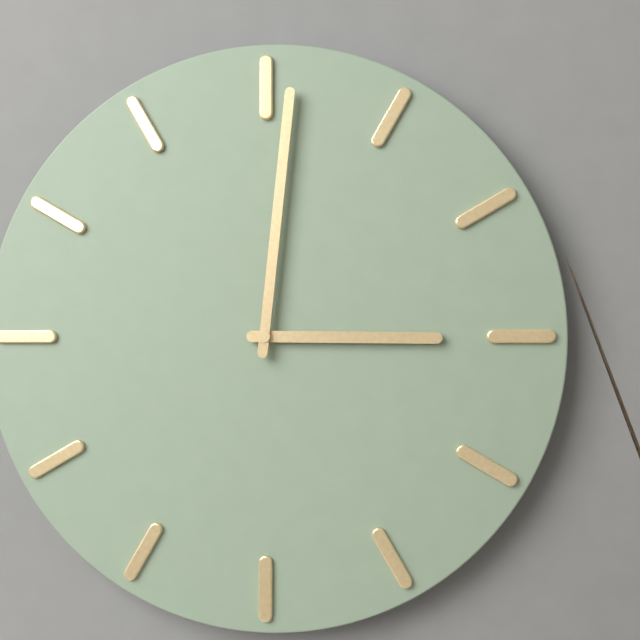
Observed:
{"hour": 3, "minute": 1}
